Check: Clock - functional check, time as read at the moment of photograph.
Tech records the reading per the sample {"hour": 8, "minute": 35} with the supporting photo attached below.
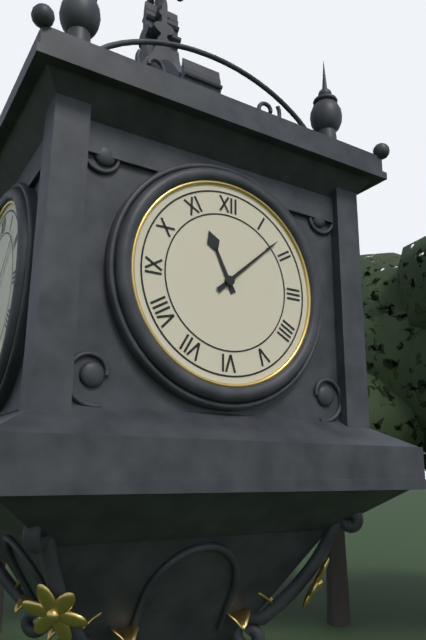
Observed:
{"hour": 11, "minute": 8}
